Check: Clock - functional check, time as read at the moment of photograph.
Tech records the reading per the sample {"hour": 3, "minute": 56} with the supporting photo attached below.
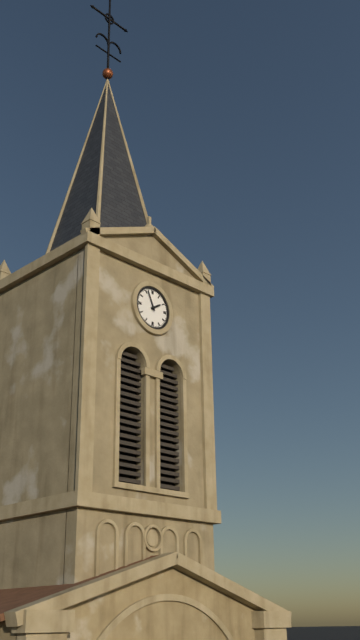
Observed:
{"hour": 1, "minute": 56}
